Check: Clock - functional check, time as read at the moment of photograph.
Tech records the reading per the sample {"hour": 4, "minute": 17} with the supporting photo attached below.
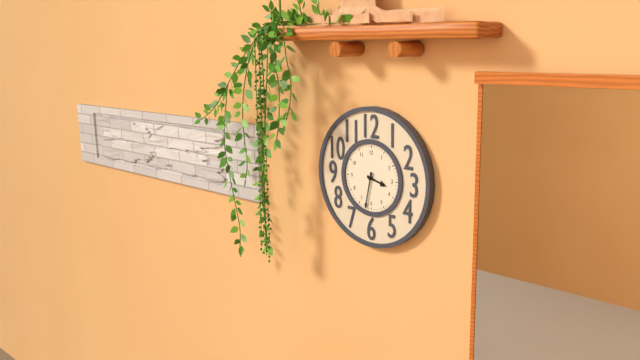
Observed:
{"hour": 3, "minute": 32}
